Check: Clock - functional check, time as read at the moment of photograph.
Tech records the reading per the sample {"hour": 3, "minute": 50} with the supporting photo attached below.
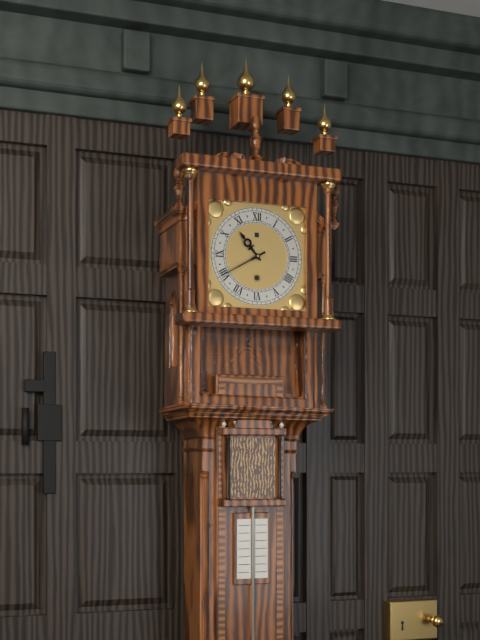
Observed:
{"hour": 10, "minute": 40}
